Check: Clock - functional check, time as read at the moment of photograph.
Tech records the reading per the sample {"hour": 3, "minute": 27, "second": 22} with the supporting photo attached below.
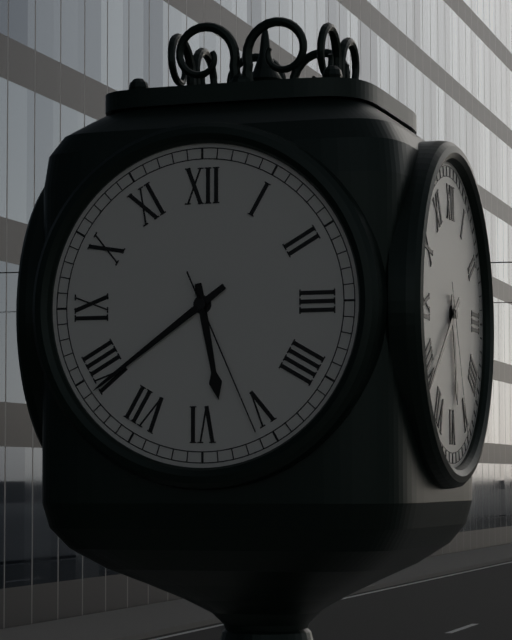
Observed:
{"hour": 5, "minute": 39, "second": 26}
